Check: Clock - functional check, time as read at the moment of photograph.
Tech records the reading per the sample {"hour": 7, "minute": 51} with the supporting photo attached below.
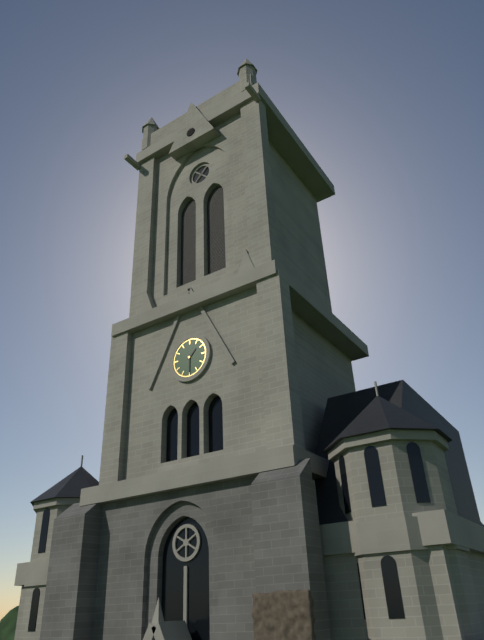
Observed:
{"hour": 1, "minute": 30}
